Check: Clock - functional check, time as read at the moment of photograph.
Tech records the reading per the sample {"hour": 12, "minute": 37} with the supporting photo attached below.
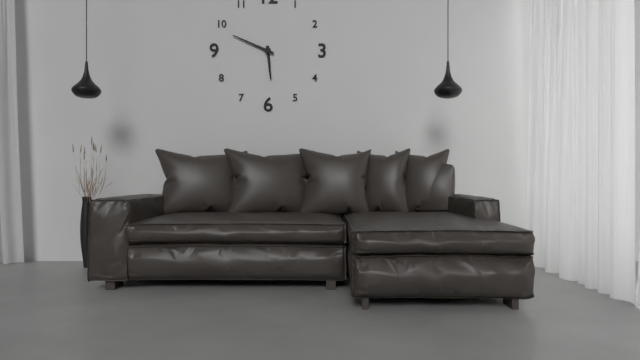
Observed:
{"hour": 5, "minute": 49}
